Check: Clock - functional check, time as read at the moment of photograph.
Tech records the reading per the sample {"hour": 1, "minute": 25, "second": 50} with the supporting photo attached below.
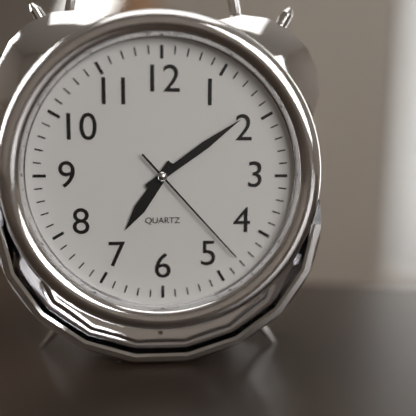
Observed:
{"hour": 7, "minute": 9, "second": 23}
